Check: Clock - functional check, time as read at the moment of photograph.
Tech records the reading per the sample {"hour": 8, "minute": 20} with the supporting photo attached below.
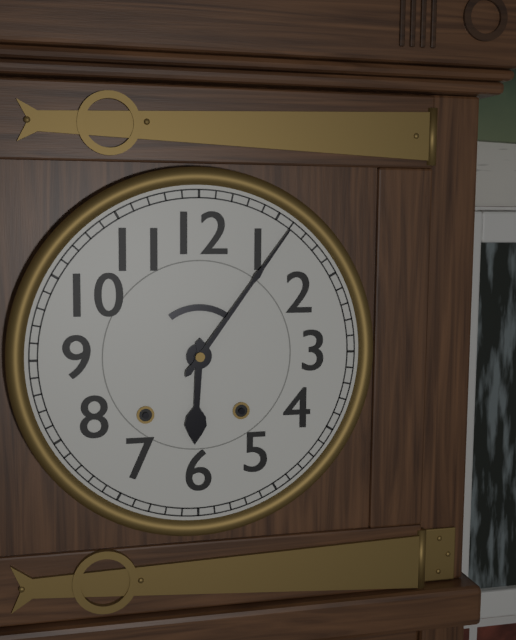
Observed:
{"hour": 6, "minute": 6}
